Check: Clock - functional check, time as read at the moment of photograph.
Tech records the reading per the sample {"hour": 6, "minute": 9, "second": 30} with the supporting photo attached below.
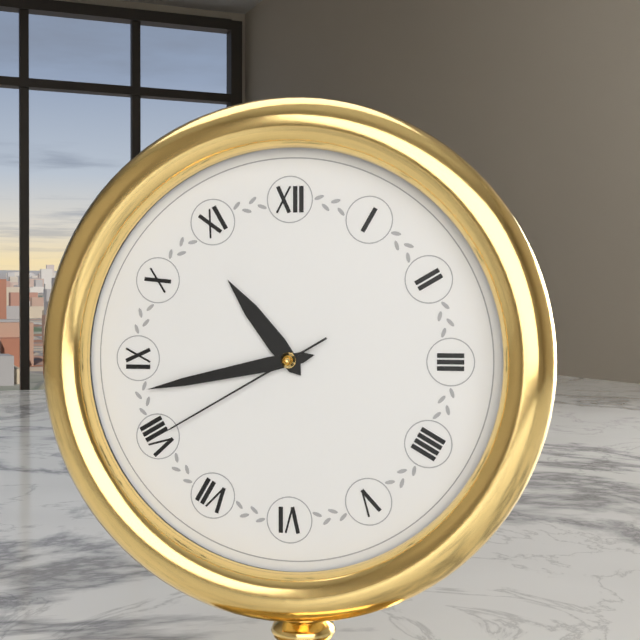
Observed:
{"hour": 10, "minute": 43, "second": 40}
